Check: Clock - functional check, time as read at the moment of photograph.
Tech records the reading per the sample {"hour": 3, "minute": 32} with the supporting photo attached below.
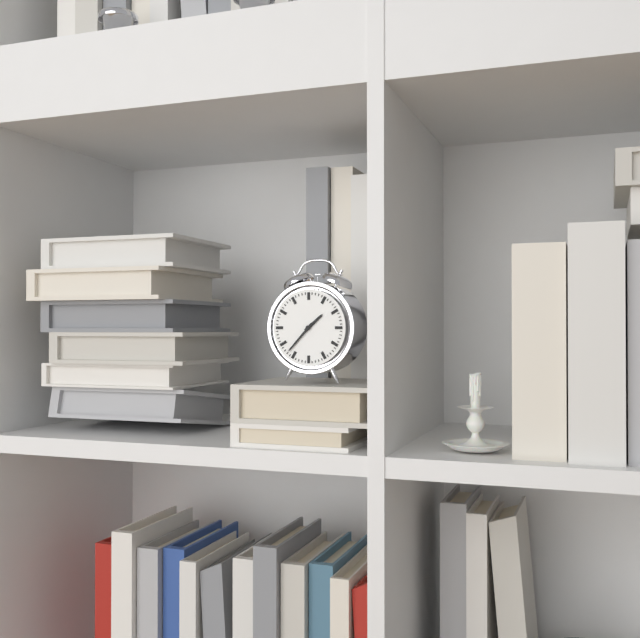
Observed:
{"hour": 1, "minute": 37}
